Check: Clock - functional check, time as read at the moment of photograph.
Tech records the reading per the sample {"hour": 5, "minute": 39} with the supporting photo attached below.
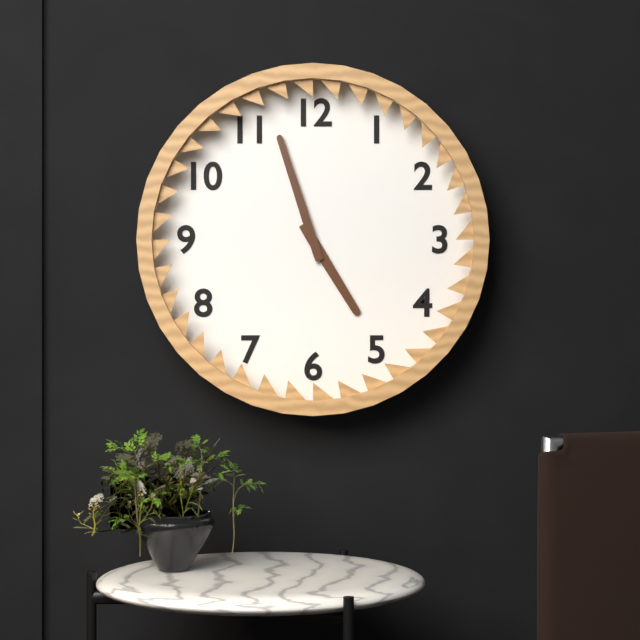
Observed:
{"hour": 4, "minute": 57}
